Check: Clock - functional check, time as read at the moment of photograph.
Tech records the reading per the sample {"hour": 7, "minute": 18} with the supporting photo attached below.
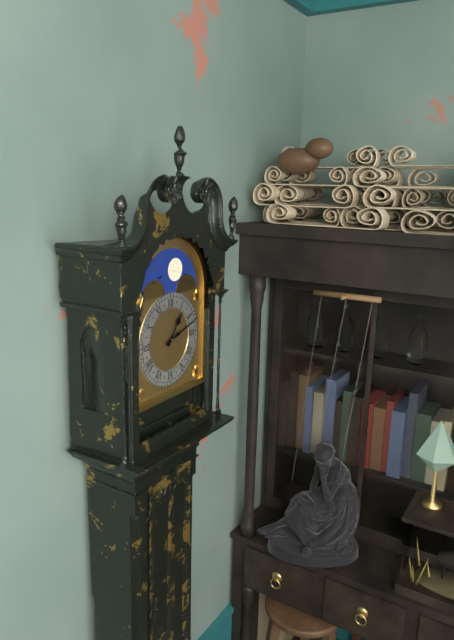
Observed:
{"hour": 1, "minute": 12}
